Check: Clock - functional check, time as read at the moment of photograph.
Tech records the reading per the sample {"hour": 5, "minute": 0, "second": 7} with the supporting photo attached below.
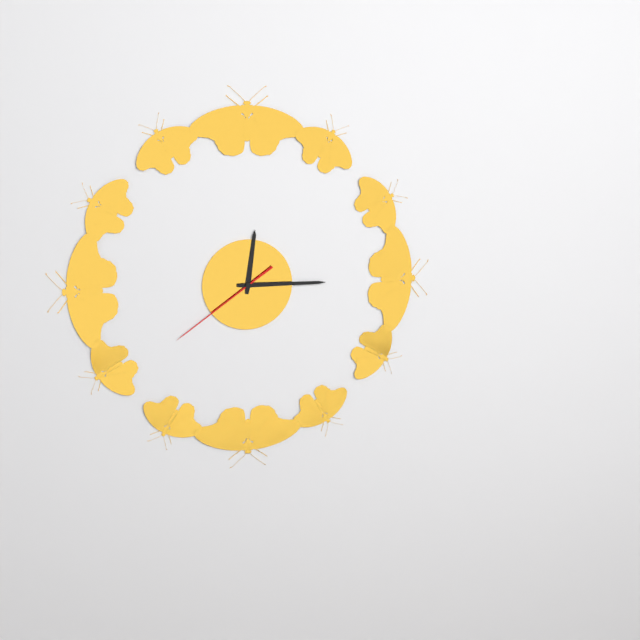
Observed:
{"hour": 12, "minute": 15, "second": 39}
